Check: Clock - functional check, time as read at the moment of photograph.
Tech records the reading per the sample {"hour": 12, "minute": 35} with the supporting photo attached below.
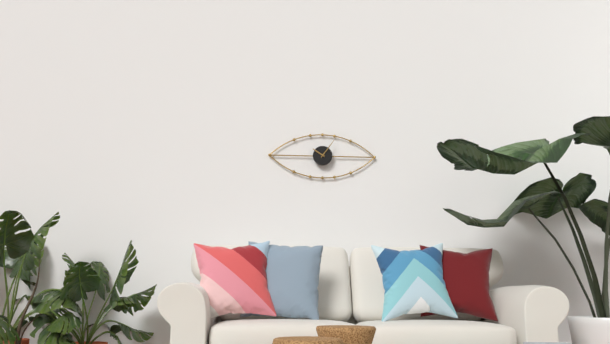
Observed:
{"hour": 10, "minute": 6}
